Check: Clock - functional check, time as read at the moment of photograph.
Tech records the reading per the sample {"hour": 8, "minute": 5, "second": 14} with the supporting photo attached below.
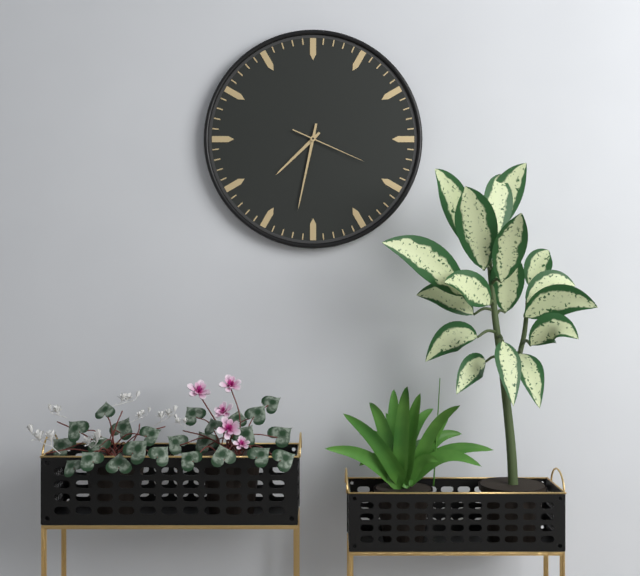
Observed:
{"hour": 7, "minute": 32, "second": 19}
